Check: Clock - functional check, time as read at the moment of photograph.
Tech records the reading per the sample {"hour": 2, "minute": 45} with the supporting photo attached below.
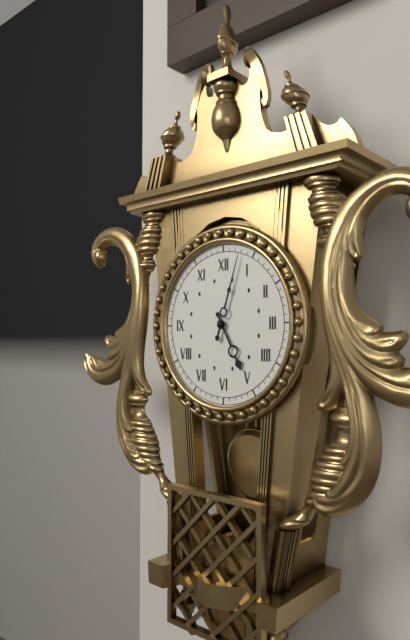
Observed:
{"hour": 5, "minute": 3}
